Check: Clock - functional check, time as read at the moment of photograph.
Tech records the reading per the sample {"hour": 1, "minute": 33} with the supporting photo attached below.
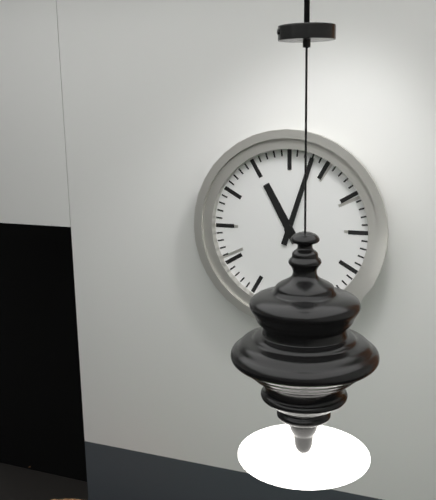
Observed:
{"hour": 11, "minute": 3}
